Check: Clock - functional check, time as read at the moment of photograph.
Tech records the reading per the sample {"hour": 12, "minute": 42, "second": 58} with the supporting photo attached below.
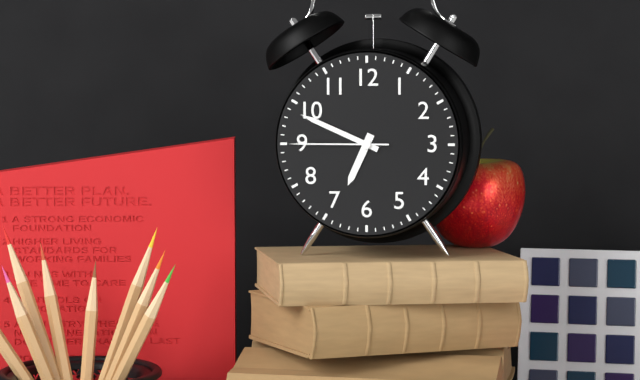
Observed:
{"hour": 6, "minute": 49, "second": 45}
